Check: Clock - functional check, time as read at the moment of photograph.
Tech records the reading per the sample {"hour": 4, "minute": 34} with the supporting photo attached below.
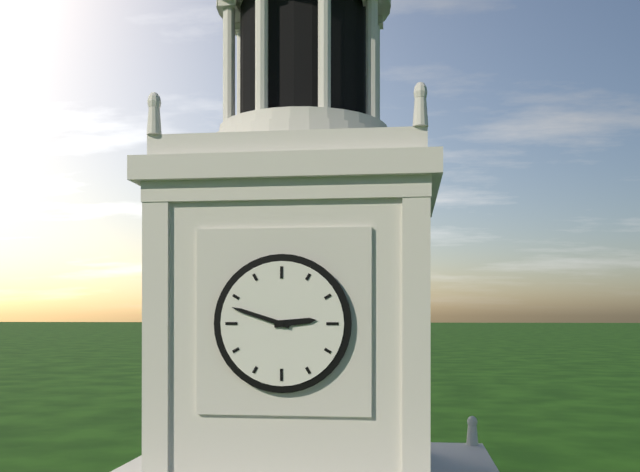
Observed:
{"hour": 2, "minute": 48}
